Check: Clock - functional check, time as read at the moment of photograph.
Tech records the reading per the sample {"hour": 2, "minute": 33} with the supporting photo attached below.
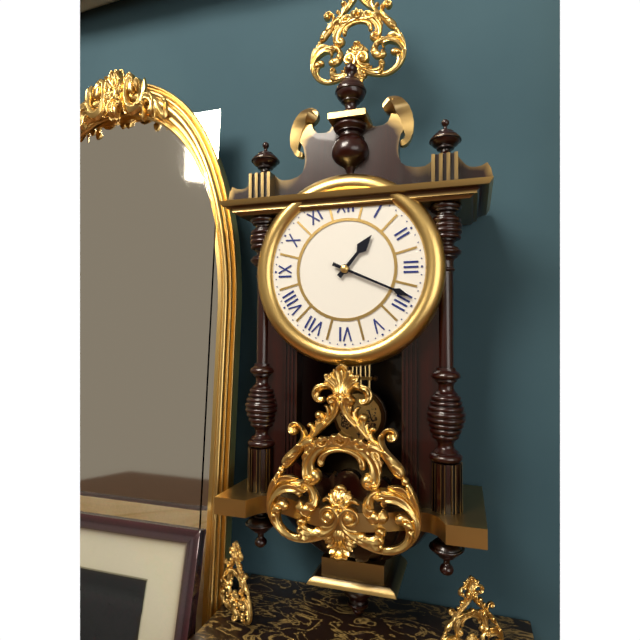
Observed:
{"hour": 1, "minute": 19}
